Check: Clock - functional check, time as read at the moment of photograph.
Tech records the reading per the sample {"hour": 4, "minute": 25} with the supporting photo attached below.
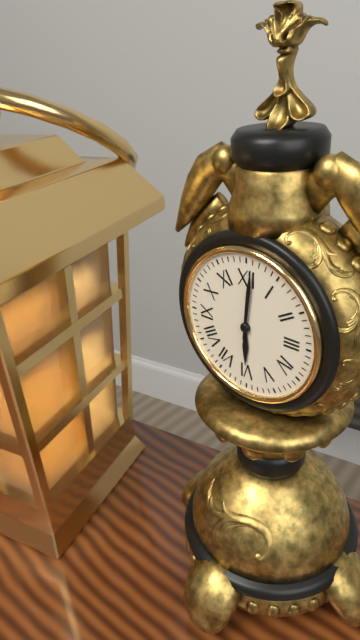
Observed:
{"hour": 6, "minute": 1}
